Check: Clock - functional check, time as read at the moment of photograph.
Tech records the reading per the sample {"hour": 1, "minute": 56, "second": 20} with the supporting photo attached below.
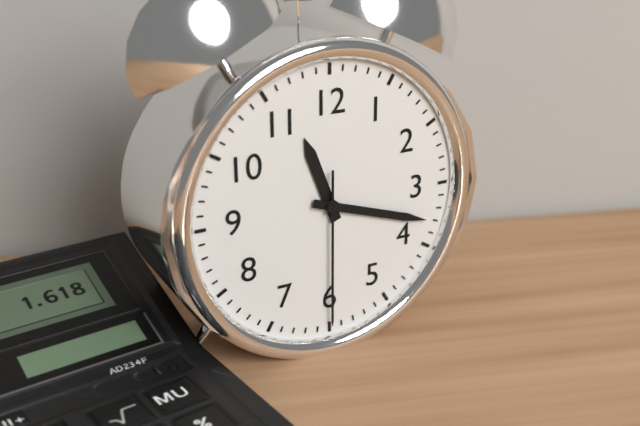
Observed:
{"hour": 11, "minute": 18, "second": 30}
